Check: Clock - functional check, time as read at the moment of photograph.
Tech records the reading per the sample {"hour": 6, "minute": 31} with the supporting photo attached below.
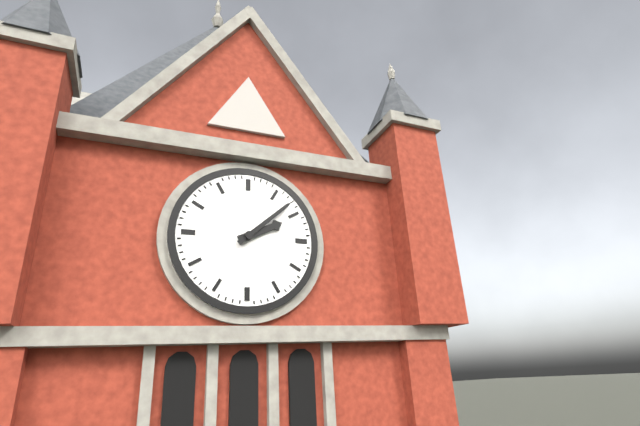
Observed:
{"hour": 2, "minute": 8}
